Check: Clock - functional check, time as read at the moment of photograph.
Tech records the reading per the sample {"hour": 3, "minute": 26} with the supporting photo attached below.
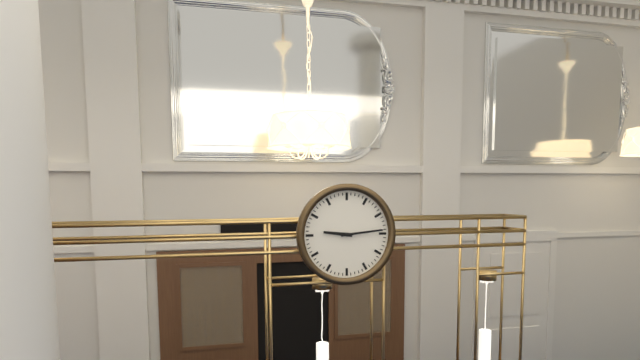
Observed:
{"hour": 9, "minute": 14}
